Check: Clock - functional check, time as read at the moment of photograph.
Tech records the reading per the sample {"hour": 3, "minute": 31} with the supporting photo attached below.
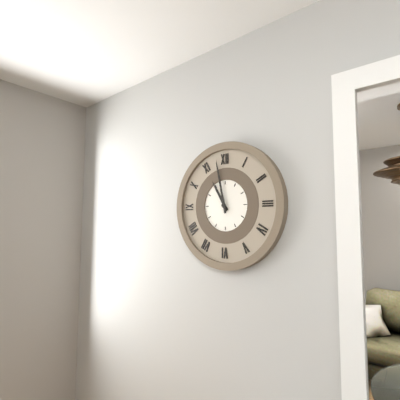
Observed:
{"hour": 10, "minute": 58}
